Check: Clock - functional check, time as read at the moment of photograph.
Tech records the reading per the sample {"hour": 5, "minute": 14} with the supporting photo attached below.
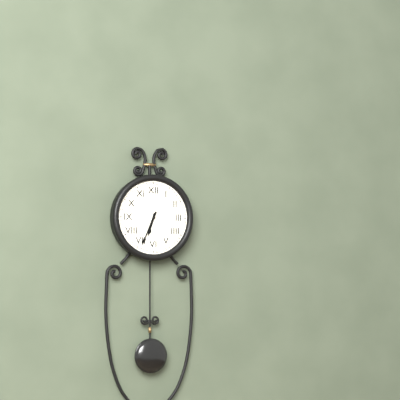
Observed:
{"hour": 6, "minute": 34}
